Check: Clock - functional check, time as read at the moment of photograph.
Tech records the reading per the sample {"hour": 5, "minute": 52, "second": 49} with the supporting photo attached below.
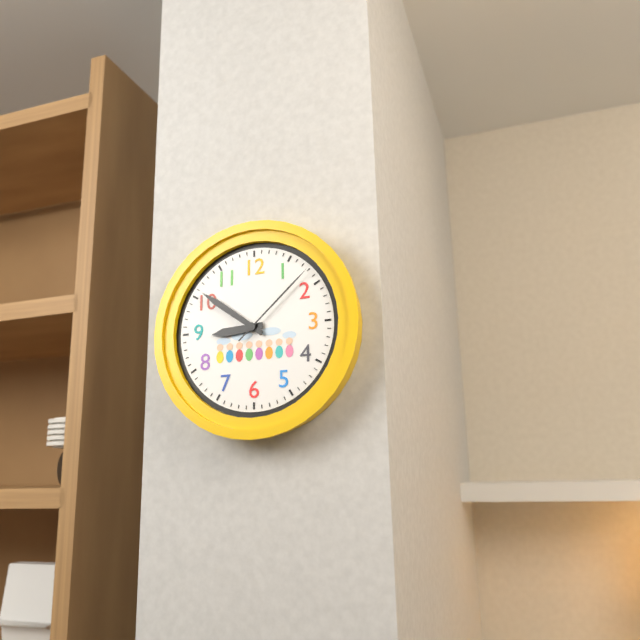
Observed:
{"hour": 8, "minute": 51, "second": 8}
